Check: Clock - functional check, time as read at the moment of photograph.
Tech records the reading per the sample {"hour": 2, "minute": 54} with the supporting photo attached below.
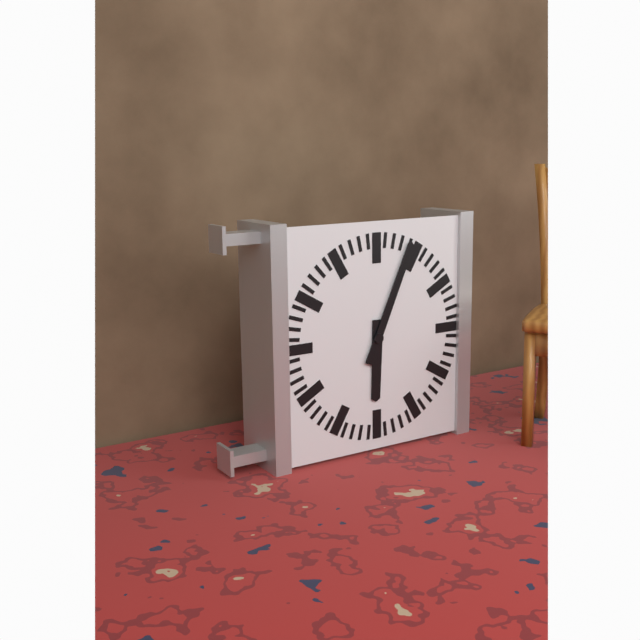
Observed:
{"hour": 6, "minute": 4}
